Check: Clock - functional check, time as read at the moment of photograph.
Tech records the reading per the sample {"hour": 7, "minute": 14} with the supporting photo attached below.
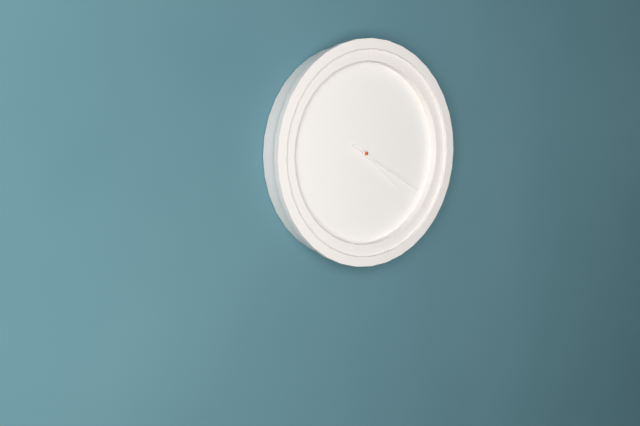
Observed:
{"hour": 4, "minute": 20}
